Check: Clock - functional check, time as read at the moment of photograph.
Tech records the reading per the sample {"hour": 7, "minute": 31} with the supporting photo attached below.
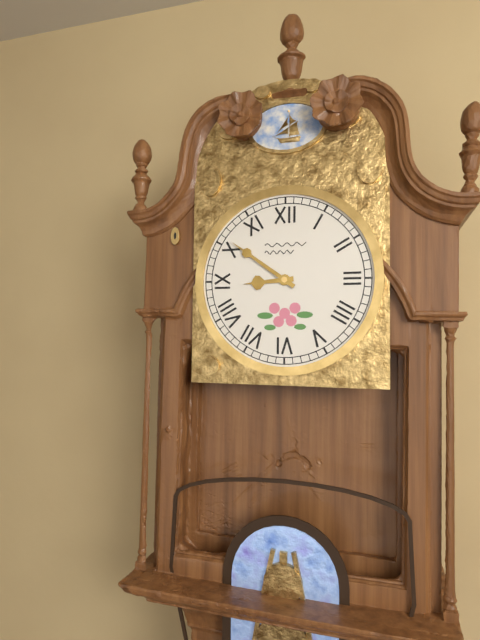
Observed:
{"hour": 8, "minute": 51}
